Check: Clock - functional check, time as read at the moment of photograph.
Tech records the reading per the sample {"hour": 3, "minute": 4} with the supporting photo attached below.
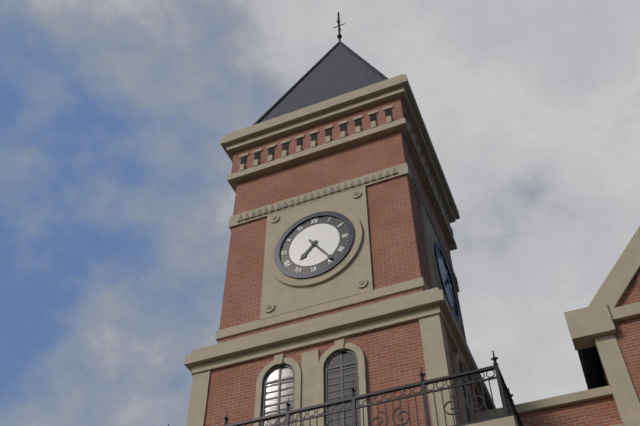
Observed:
{"hour": 7, "minute": 24}
